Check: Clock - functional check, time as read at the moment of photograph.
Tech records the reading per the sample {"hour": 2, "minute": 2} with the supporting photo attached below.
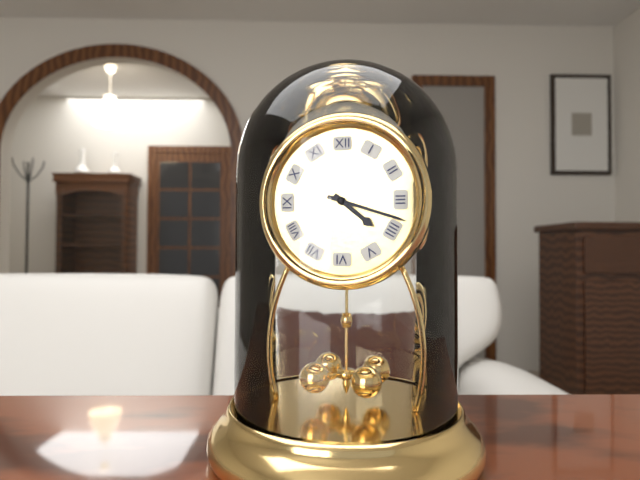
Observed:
{"hour": 4, "minute": 18}
